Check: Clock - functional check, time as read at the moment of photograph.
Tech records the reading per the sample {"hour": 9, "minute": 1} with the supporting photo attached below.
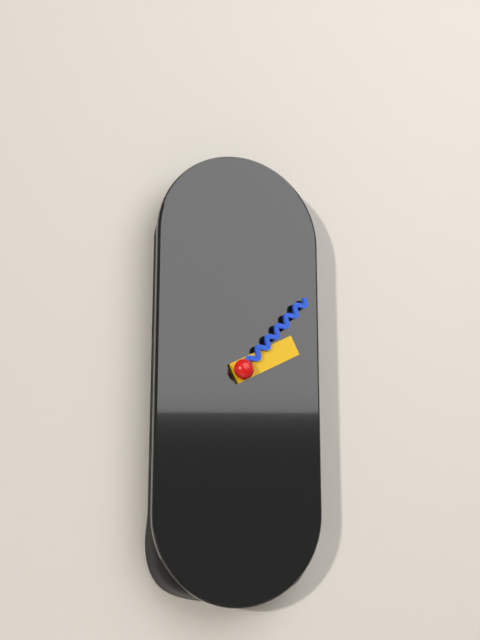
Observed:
{"hour": 2, "minute": 7}
